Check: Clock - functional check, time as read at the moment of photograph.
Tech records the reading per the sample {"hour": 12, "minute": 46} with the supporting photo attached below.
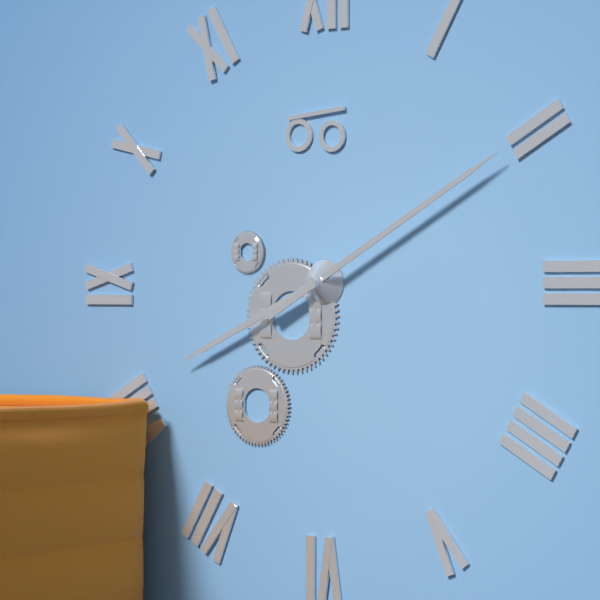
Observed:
{"hour": 8, "minute": 10}
